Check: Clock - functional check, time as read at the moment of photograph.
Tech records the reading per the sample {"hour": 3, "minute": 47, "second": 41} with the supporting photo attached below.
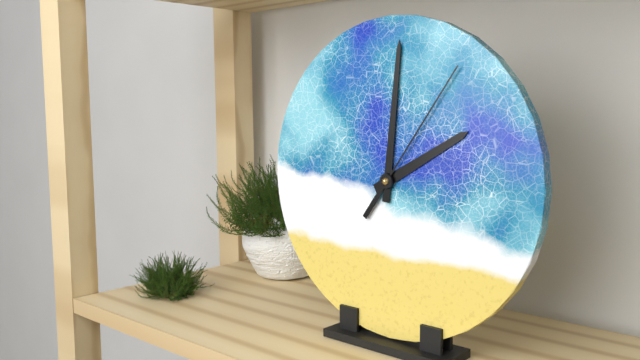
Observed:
{"hour": 2, "minute": 1, "second": 6}
